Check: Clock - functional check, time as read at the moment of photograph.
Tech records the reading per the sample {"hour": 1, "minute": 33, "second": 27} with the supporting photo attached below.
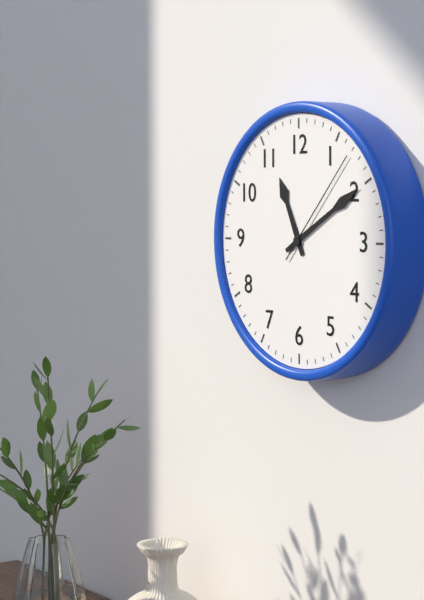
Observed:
{"hour": 11, "minute": 10, "second": 7}
